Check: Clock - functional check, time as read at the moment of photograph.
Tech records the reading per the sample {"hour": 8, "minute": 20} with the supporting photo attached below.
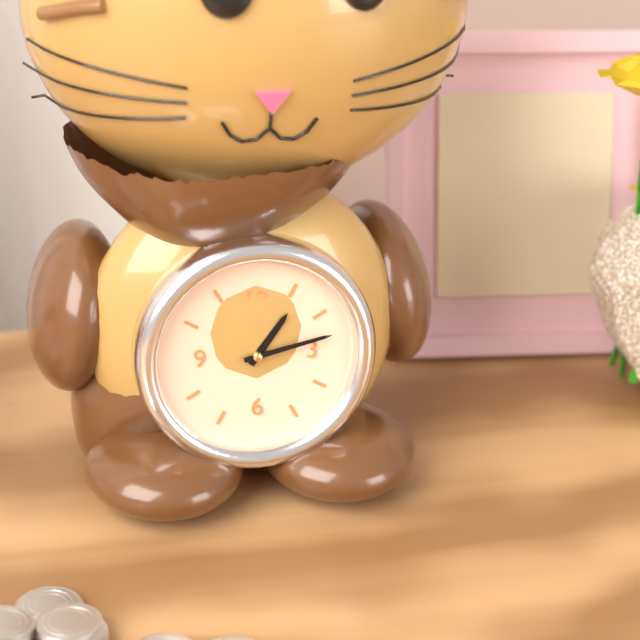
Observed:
{"hour": 1, "minute": 13}
